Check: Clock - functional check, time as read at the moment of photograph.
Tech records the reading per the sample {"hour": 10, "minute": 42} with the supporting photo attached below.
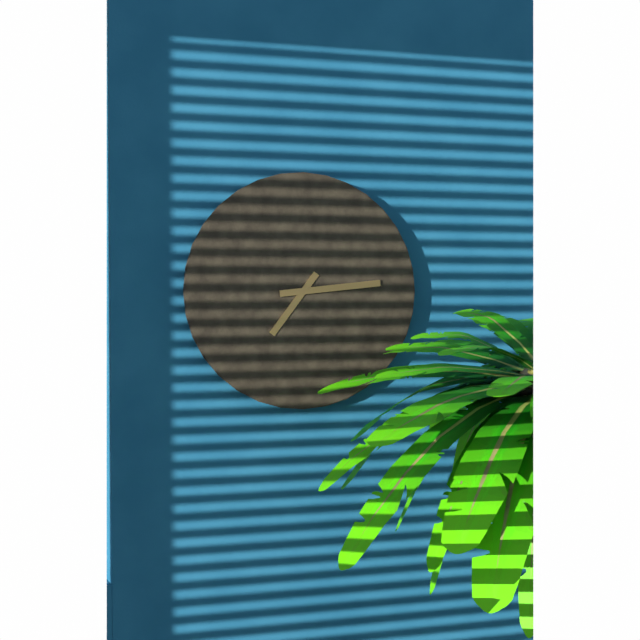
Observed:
{"hour": 7, "minute": 14}
